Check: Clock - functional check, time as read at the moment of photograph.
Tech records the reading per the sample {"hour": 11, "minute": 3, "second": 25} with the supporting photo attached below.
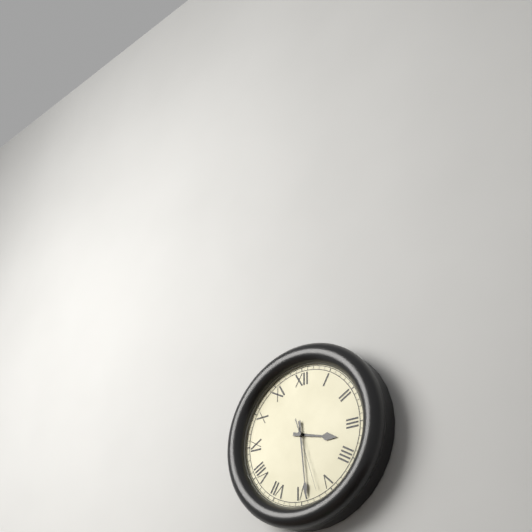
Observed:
{"hour": 3, "minute": 29, "second": 27}
